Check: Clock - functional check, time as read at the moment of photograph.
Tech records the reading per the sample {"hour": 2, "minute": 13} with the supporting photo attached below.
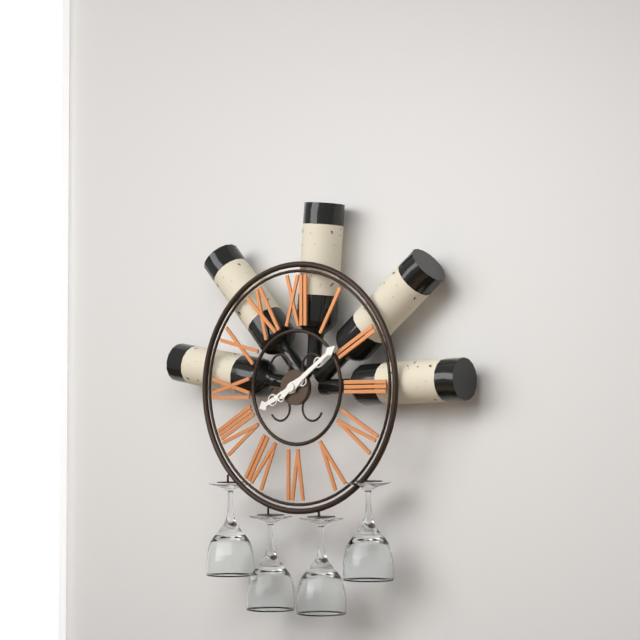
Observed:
{"hour": 8, "minute": 9}
